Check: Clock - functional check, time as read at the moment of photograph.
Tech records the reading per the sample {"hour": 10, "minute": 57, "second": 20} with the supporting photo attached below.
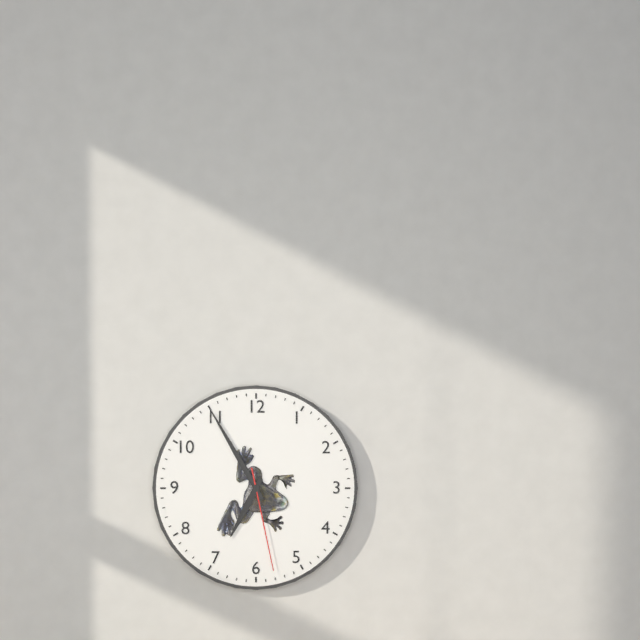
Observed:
{"hour": 6, "minute": 55, "second": 28}
